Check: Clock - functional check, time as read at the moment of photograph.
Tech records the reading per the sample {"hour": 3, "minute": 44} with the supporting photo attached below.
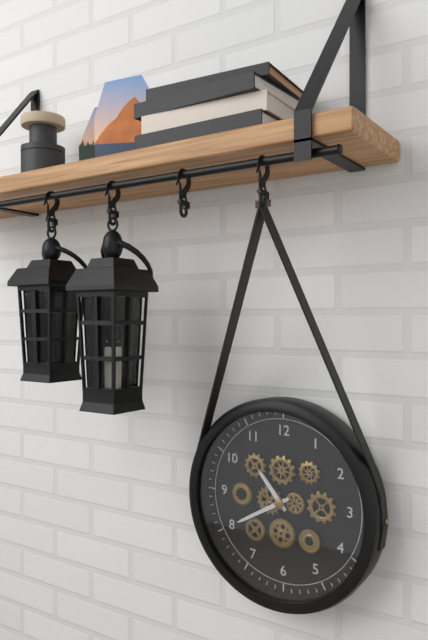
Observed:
{"hour": 10, "minute": 40}
